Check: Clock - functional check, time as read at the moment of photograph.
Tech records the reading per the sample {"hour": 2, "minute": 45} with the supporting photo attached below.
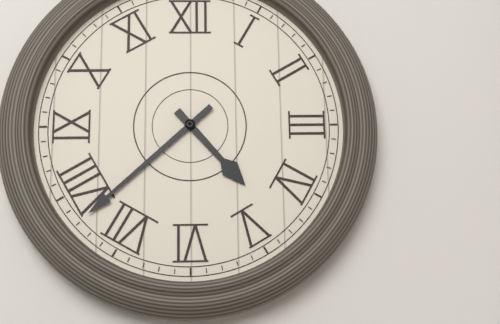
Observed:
{"hour": 4, "minute": 38}
